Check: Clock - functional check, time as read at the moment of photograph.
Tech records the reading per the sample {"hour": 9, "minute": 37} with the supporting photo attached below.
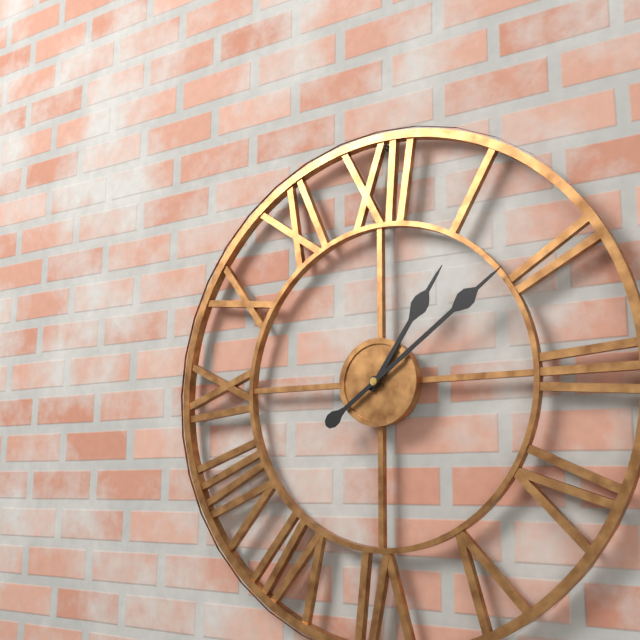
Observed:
{"hour": 1, "minute": 9}
